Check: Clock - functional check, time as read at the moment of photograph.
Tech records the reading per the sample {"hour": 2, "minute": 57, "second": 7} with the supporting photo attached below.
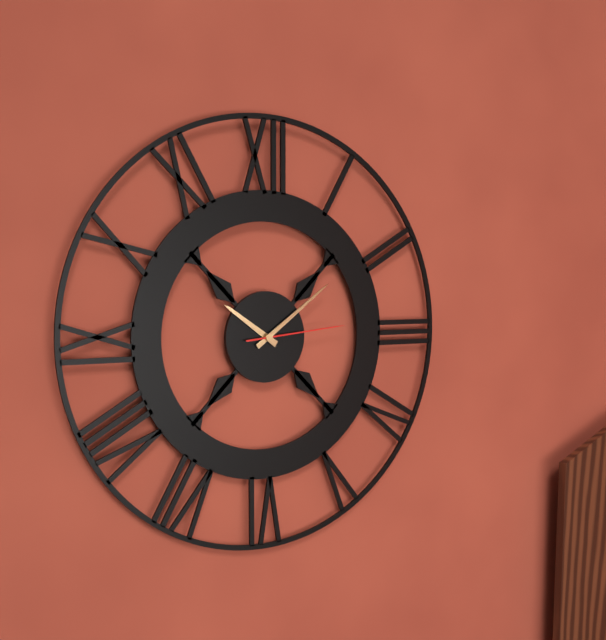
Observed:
{"hour": 10, "minute": 9, "second": 14}
